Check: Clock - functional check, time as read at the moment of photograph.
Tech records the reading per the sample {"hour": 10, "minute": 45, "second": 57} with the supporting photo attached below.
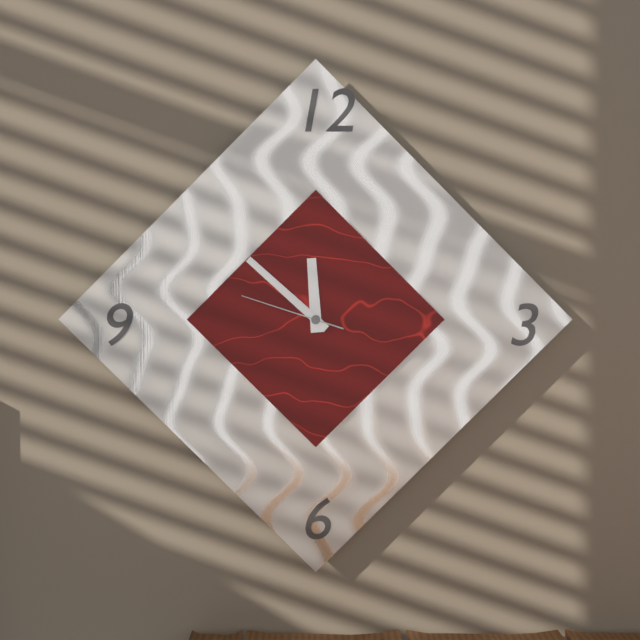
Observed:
{"hour": 11, "minute": 52, "second": 48}
